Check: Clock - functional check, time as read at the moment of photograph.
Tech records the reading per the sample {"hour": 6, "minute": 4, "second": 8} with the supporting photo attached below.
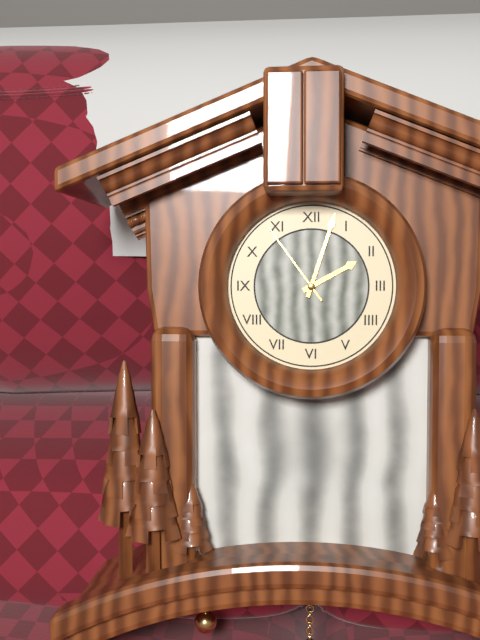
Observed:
{"hour": 2, "minute": 3, "second": 54}
